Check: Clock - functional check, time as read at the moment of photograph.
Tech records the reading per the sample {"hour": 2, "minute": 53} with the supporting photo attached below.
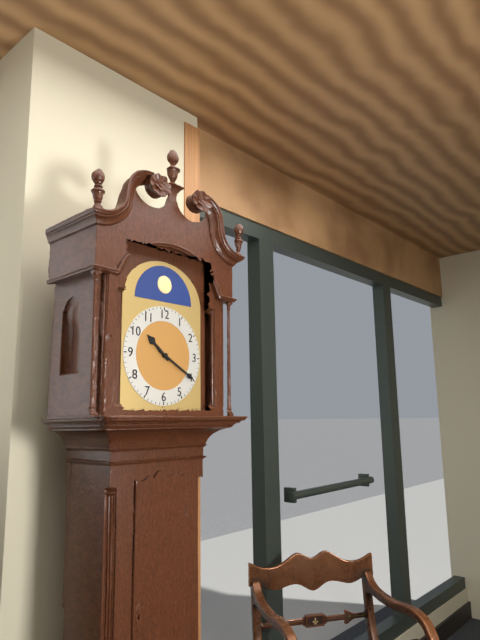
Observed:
{"hour": 10, "minute": 20}
